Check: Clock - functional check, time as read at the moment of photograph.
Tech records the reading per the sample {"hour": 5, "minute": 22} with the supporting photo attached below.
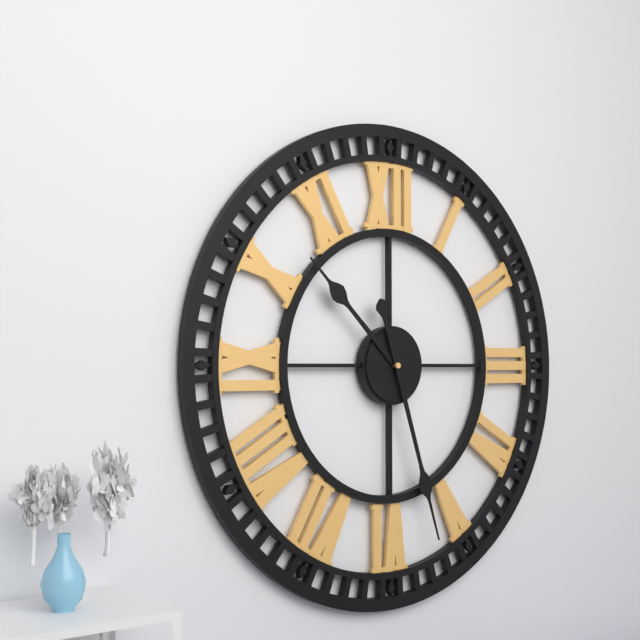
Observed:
{"hour": 10, "minute": 27}
